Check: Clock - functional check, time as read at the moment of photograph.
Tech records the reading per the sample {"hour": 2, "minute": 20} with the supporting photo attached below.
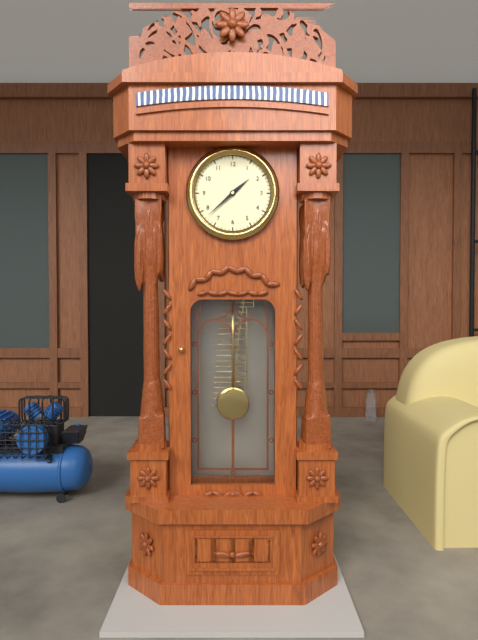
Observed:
{"hour": 1, "minute": 38}
